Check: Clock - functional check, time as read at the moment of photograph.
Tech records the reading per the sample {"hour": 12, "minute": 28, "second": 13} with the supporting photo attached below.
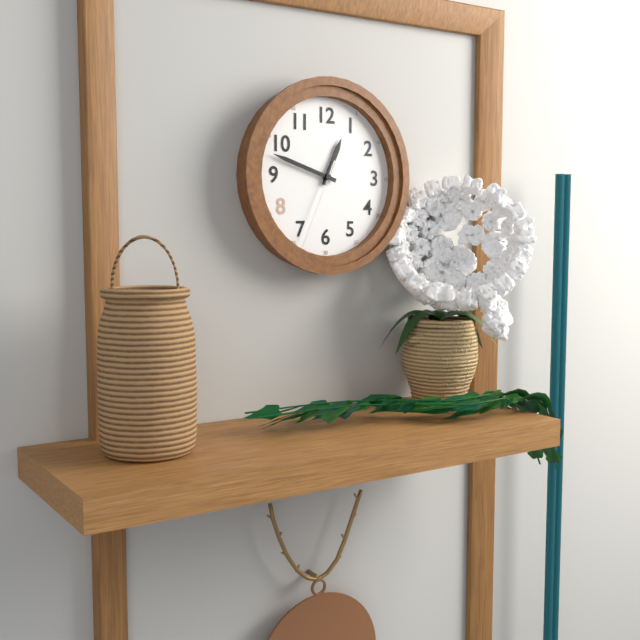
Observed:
{"hour": 12, "minute": 48, "second": 34}
